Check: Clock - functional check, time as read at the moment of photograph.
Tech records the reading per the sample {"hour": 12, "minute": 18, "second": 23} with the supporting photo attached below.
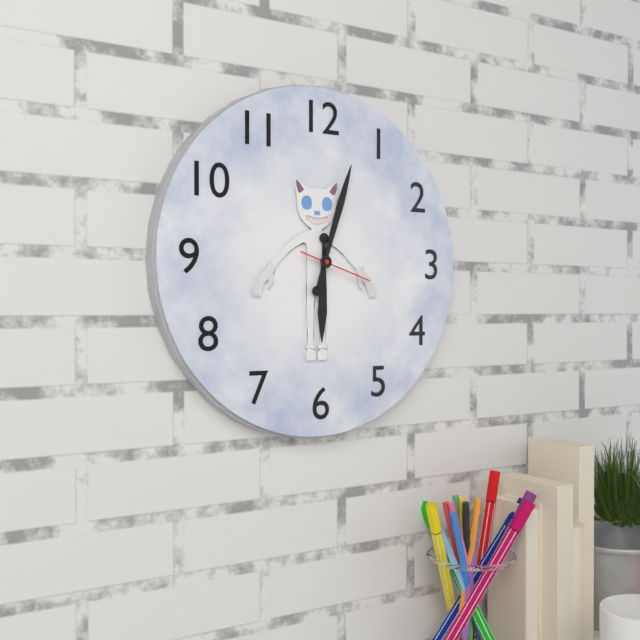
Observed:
{"hour": 6, "minute": 3, "second": 18}
